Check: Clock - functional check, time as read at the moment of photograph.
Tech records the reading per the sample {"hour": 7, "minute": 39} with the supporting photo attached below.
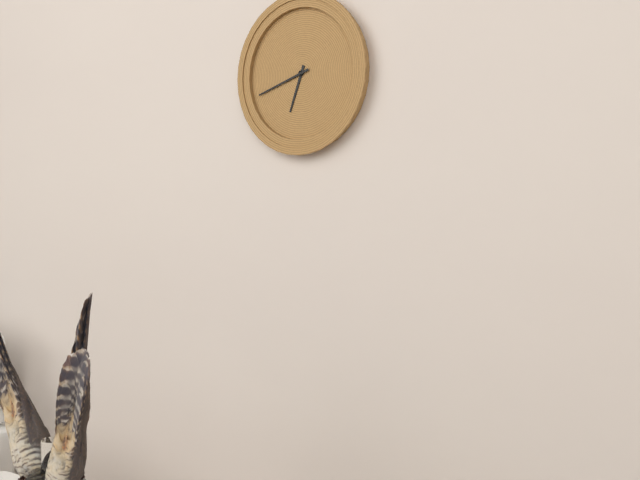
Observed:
{"hour": 6, "minute": 42}
